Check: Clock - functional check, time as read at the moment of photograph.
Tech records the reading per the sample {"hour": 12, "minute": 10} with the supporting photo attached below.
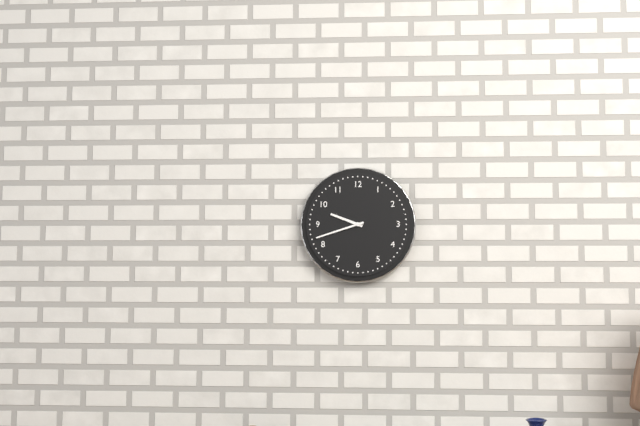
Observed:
{"hour": 9, "minute": 42}
